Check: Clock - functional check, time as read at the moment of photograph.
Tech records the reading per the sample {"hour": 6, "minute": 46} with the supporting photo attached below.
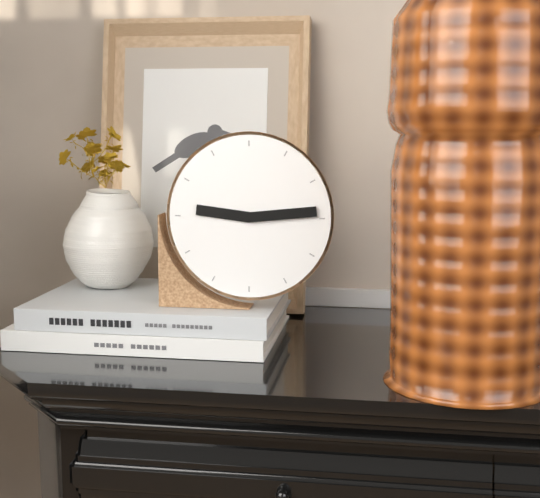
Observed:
{"hour": 9, "minute": 14}
